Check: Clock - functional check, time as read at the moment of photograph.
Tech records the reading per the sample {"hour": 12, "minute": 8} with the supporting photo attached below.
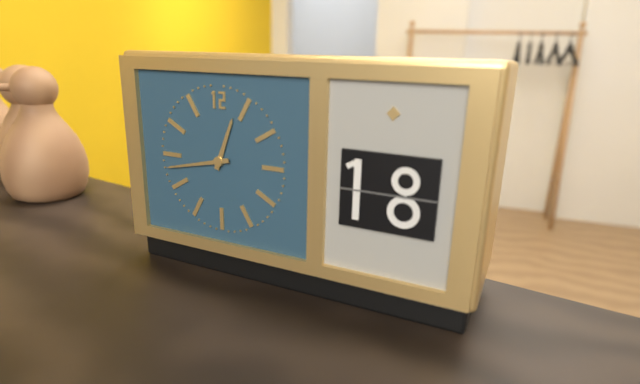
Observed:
{"hour": 12, "minute": 43}
